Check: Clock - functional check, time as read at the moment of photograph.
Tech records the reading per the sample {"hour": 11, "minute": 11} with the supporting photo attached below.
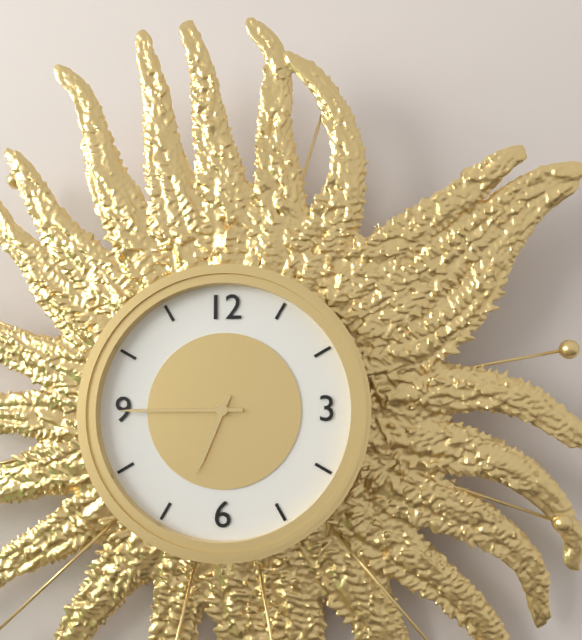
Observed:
{"hour": 6, "minute": 45}
